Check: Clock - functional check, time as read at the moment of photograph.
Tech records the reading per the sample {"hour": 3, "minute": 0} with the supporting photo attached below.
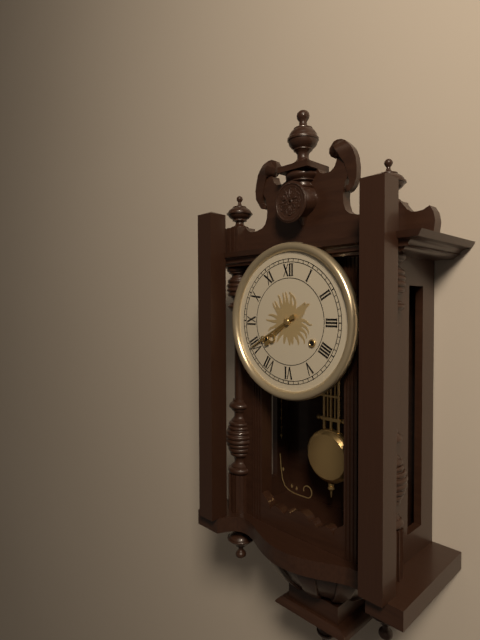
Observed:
{"hour": 7, "minute": 40}
